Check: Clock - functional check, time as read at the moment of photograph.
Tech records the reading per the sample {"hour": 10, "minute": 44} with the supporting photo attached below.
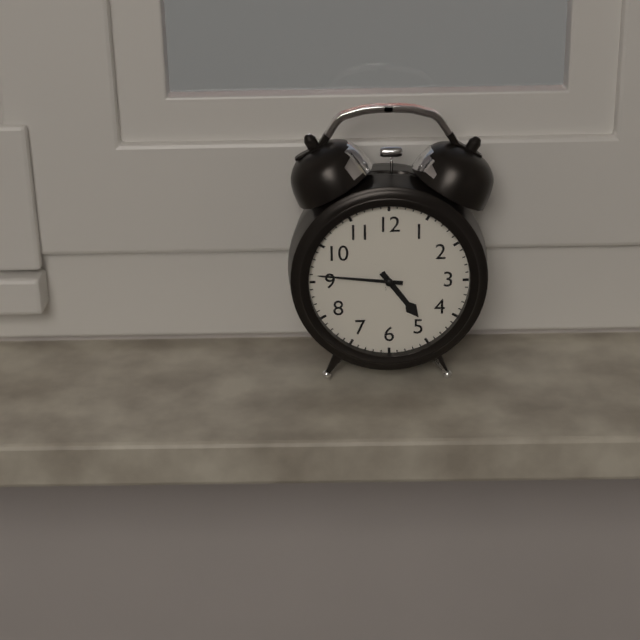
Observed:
{"hour": 4, "minute": 46}
